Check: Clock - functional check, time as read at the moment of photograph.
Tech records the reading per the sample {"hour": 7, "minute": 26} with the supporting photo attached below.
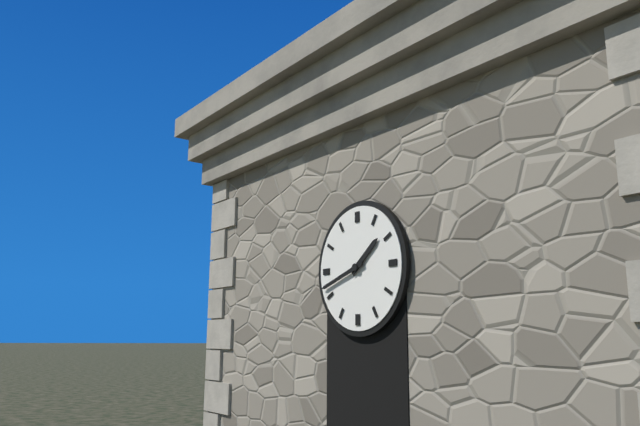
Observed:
{"hour": 1, "minute": 42}
